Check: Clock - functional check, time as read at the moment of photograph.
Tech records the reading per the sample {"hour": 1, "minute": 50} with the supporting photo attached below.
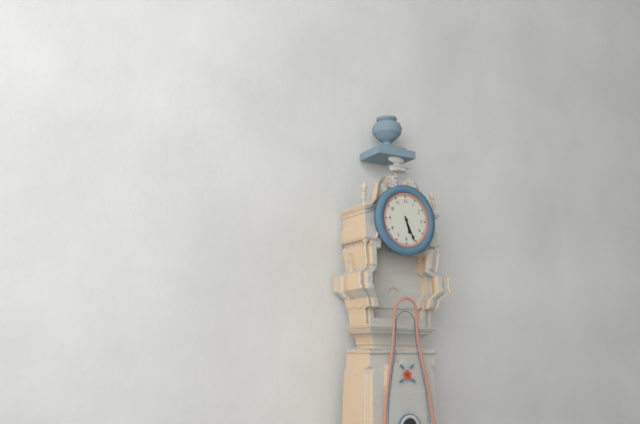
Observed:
{"hour": 5, "minute": 26}
